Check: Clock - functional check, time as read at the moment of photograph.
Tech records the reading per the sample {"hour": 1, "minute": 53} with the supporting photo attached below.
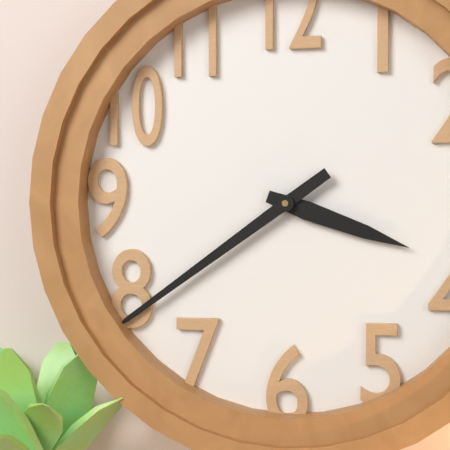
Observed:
{"hour": 3, "minute": 39}
